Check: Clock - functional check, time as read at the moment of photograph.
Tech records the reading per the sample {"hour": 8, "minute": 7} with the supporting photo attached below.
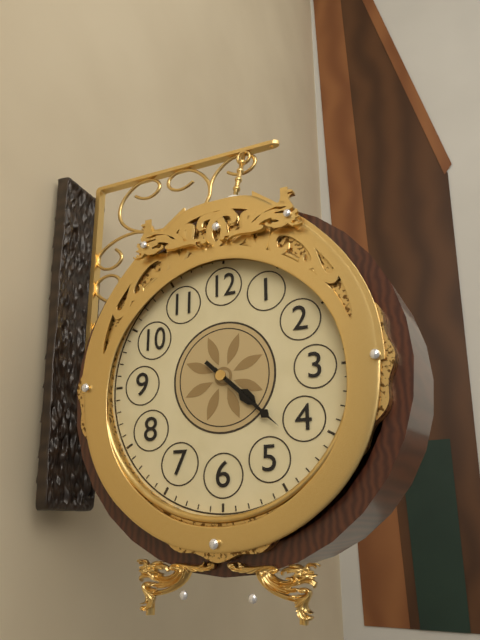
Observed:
{"hour": 4, "minute": 22}
